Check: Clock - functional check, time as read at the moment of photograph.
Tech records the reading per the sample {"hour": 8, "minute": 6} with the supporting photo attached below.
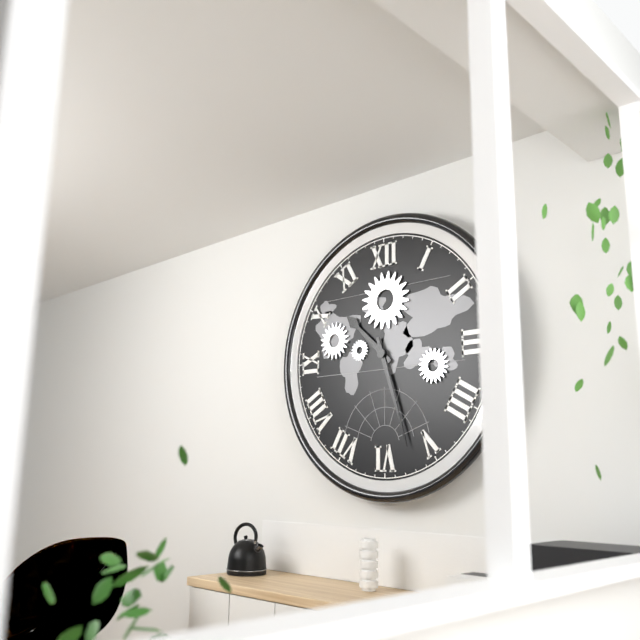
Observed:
{"hour": 10, "minute": 27}
